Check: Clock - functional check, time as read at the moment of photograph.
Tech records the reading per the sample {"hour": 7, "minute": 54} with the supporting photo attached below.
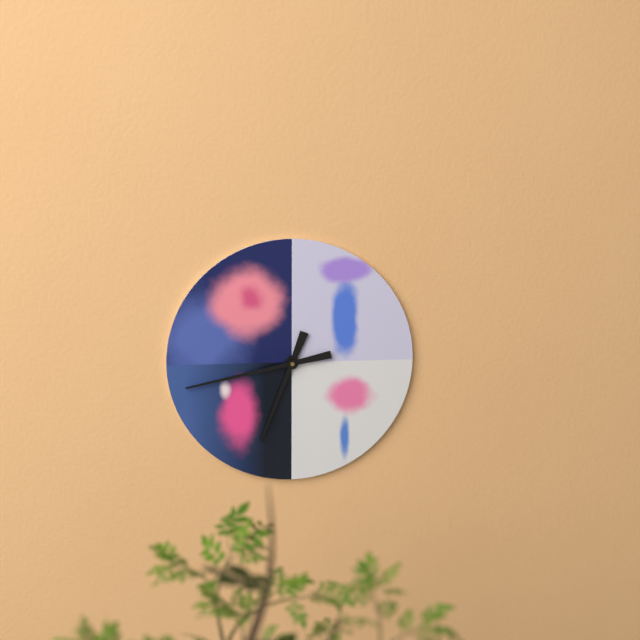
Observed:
{"hour": 6, "minute": 43}
